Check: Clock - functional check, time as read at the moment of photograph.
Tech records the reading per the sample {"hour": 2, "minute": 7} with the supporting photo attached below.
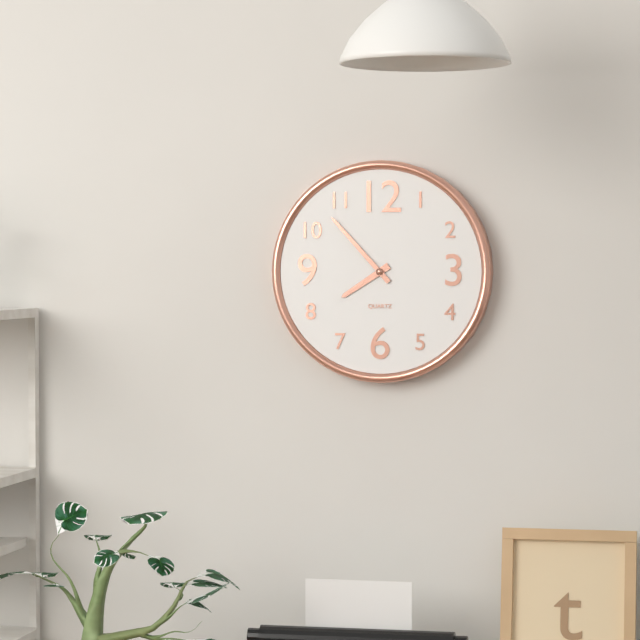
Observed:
{"hour": 7, "minute": 53}
